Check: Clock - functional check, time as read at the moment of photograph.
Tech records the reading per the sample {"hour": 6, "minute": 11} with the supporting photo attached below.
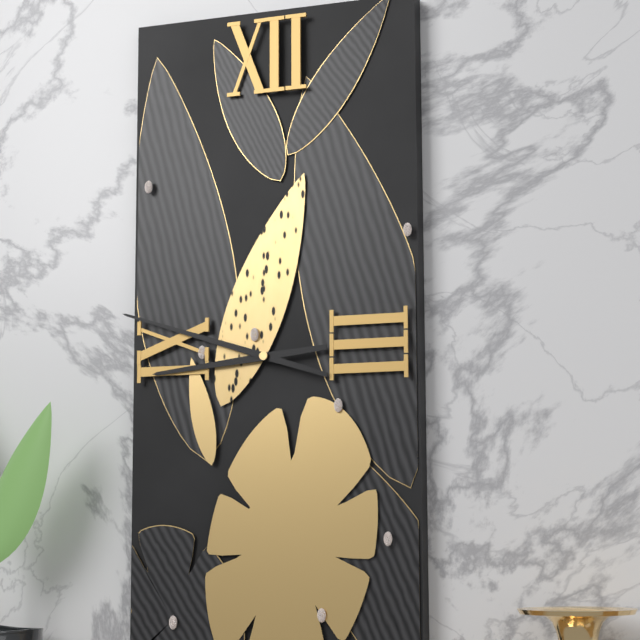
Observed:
{"hour": 8, "minute": 48}
